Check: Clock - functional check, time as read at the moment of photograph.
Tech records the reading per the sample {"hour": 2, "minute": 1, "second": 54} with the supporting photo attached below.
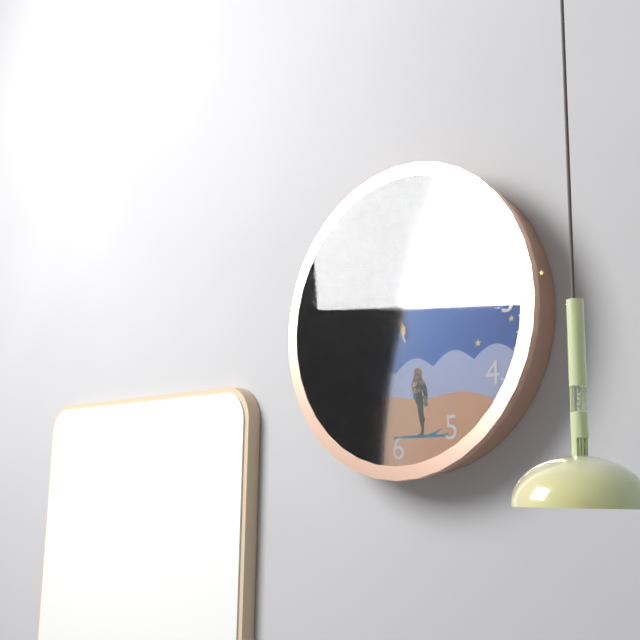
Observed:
{"hour": 10, "minute": 55, "second": 56}
